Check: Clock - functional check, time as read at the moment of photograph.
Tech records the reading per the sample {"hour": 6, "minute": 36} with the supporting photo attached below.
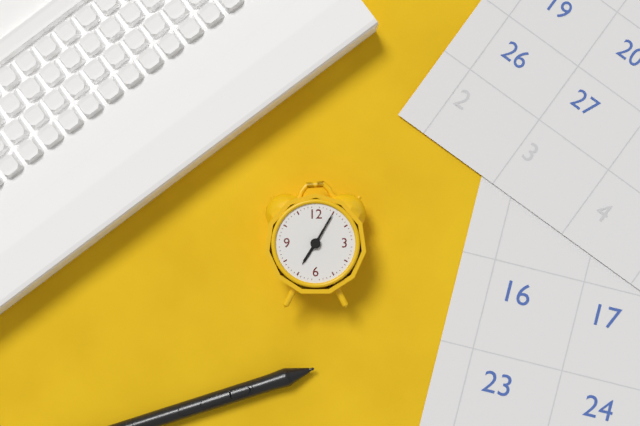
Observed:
{"hour": 7, "minute": 5}
